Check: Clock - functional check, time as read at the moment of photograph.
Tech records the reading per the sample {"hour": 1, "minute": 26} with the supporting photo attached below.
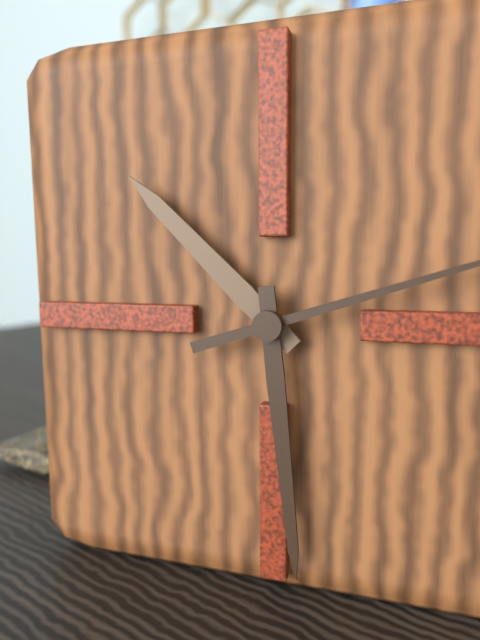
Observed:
{"hour": 10, "minute": 29}
